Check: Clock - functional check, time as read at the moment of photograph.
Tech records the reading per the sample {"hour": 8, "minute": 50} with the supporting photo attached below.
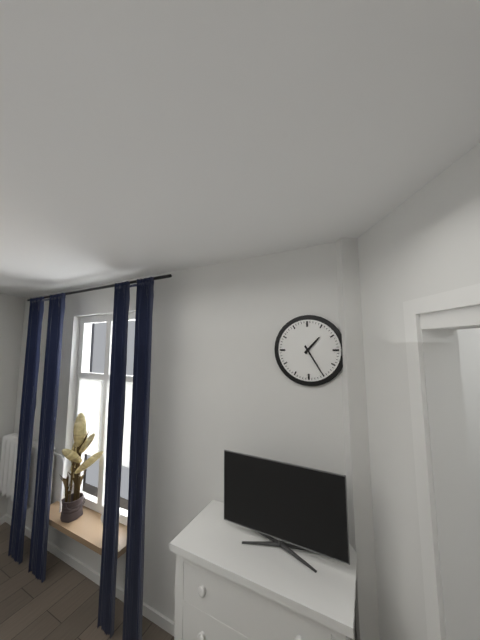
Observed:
{"hour": 1, "minute": 25}
